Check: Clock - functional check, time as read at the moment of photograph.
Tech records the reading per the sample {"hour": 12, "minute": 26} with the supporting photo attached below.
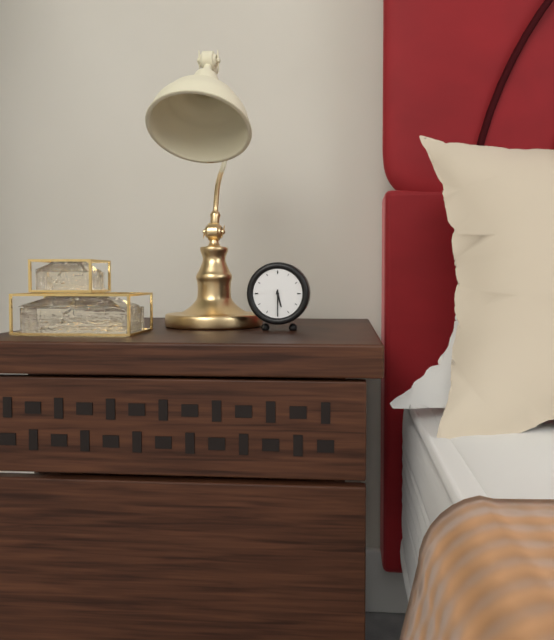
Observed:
{"hour": 5, "minute": 30}
